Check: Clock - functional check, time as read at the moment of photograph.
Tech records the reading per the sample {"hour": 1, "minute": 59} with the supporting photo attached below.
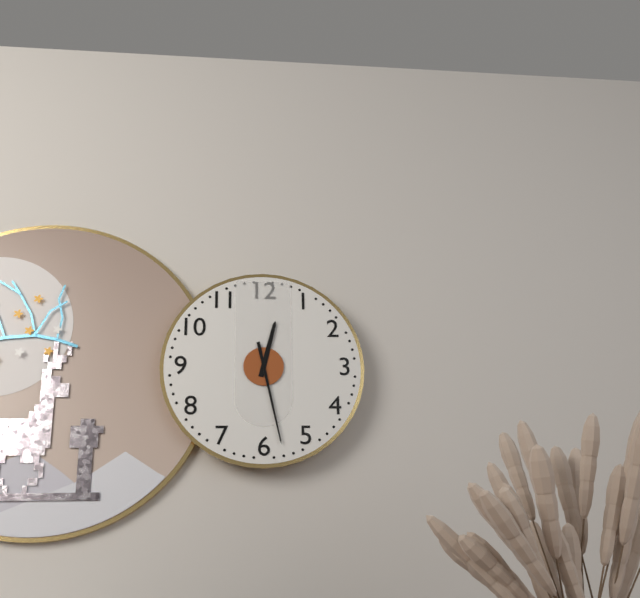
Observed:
{"hour": 12, "minute": 28}
